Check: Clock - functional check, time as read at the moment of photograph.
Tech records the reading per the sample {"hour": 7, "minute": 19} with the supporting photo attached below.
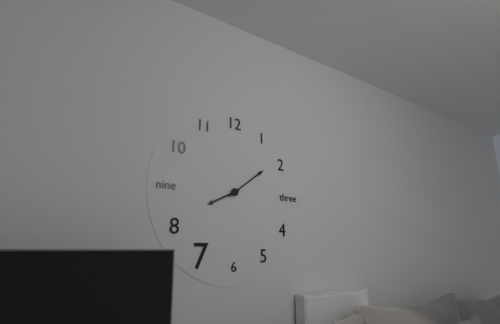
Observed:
{"hour": 8, "minute": 9}
